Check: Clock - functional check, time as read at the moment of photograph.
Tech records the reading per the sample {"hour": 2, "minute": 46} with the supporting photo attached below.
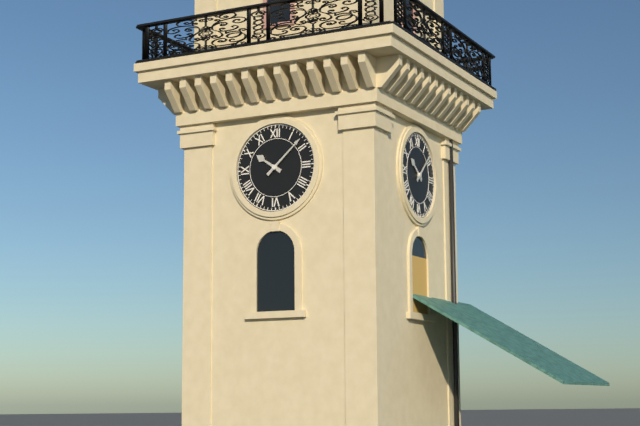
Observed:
{"hour": 10, "minute": 8}
